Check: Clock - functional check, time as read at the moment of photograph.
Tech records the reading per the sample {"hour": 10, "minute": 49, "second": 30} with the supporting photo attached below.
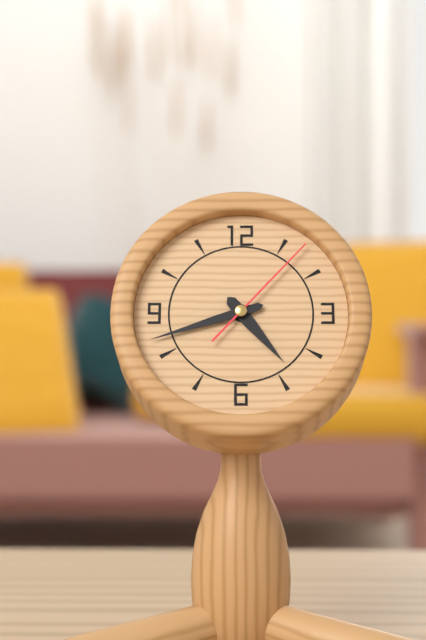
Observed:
{"hour": 4, "minute": 42, "second": 7}
